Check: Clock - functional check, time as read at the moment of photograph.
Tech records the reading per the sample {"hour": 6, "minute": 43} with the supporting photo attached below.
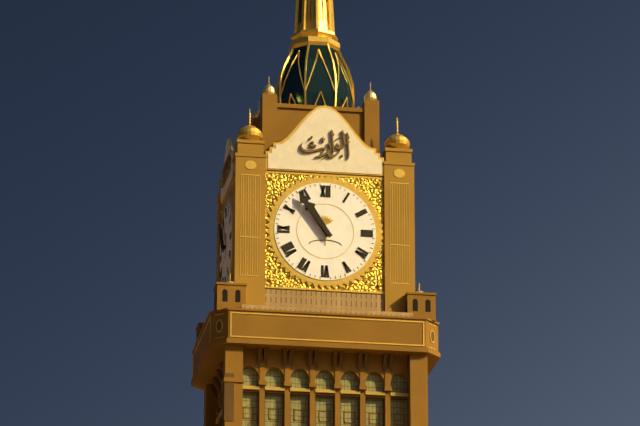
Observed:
{"hour": 10, "minute": 54}
